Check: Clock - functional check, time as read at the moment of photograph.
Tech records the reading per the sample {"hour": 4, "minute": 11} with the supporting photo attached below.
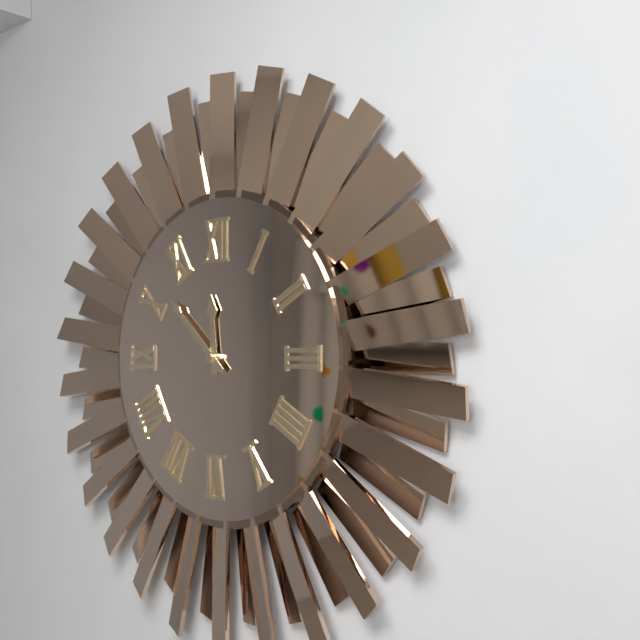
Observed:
{"hour": 11, "minute": 52}
